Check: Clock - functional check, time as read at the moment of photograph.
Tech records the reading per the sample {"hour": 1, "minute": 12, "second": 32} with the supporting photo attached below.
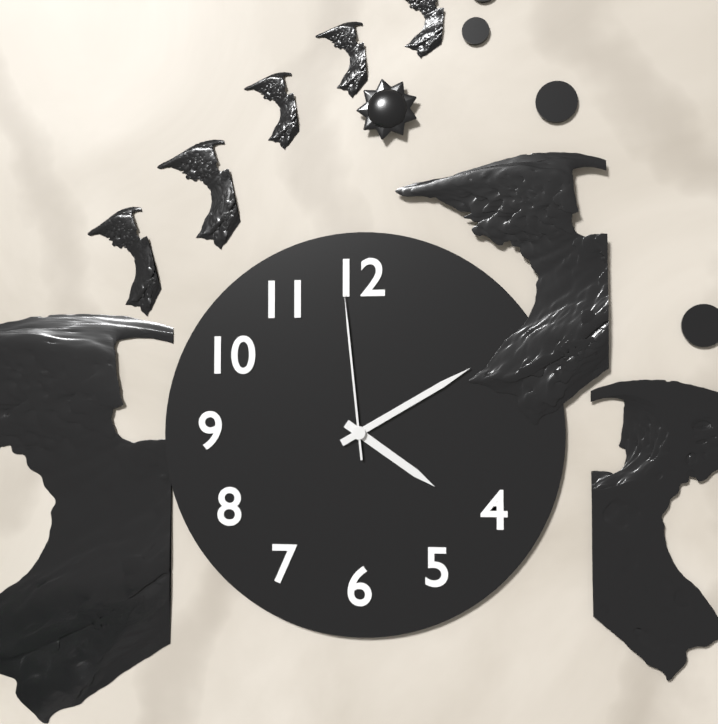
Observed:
{"hour": 4, "minute": 10, "second": 59}
